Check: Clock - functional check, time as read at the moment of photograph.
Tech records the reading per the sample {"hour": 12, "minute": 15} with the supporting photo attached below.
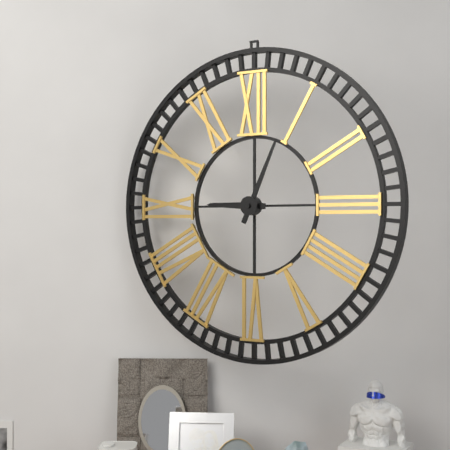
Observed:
{"hour": 9, "minute": 4}
